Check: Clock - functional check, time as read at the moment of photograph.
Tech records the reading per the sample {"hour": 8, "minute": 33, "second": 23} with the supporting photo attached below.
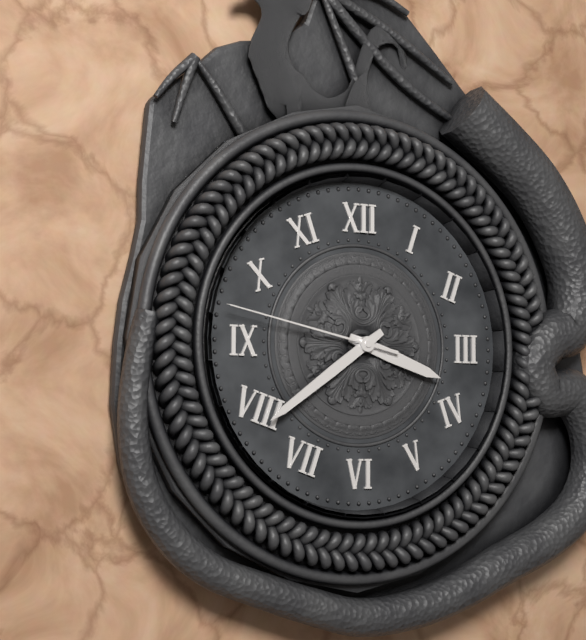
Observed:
{"hour": 3, "minute": 39, "second": 47}
